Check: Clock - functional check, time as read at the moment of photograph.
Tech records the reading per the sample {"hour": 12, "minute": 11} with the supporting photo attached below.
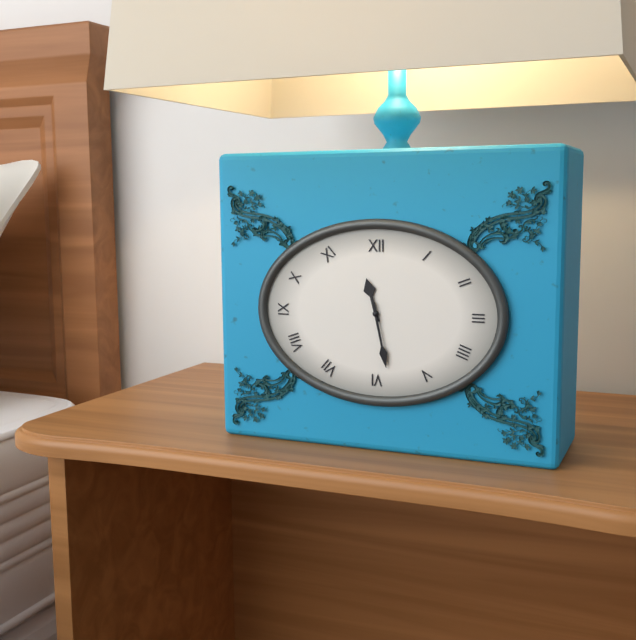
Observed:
{"hour": 11, "minute": 28}
